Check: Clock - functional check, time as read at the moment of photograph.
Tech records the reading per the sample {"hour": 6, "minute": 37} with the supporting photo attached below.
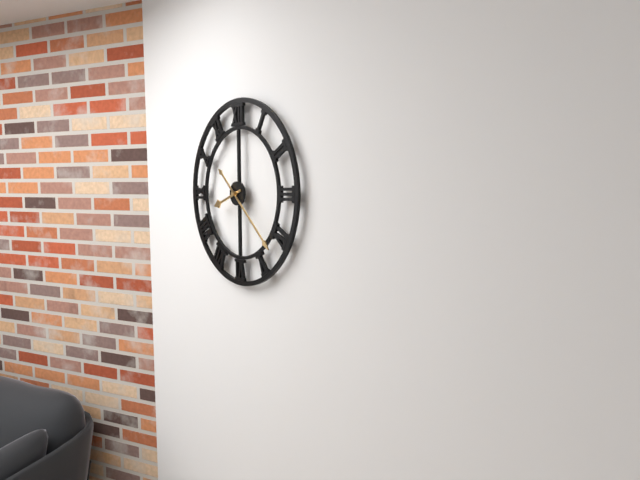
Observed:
{"hour": 8, "minute": 22}
